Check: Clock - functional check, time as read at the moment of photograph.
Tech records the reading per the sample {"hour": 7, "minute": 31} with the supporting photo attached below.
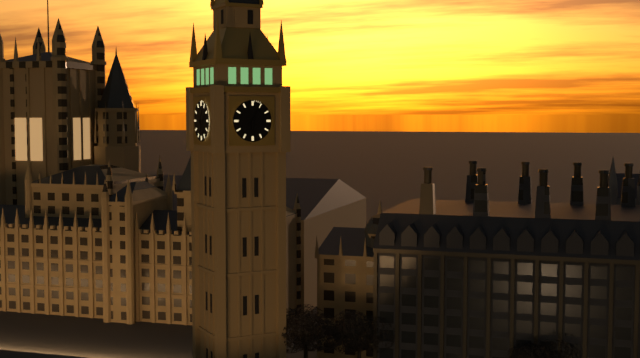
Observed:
{"hour": 6, "minute": 5}
